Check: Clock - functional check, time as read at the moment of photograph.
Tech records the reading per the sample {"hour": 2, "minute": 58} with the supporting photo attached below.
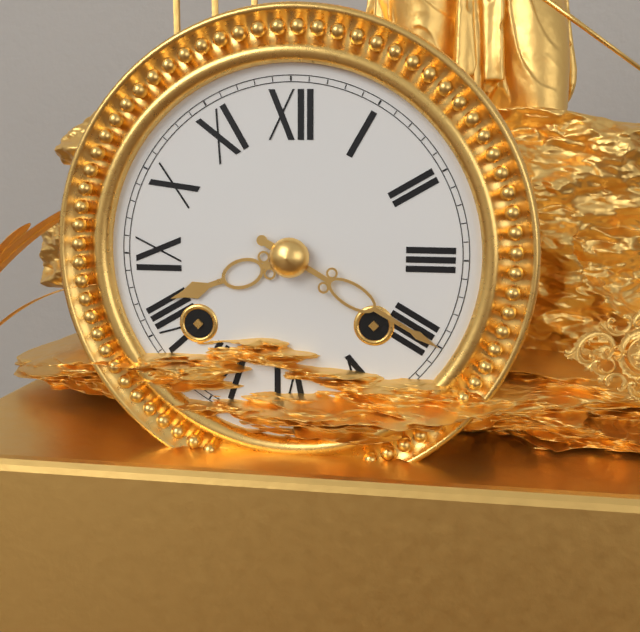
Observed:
{"hour": 8, "minute": 20}
